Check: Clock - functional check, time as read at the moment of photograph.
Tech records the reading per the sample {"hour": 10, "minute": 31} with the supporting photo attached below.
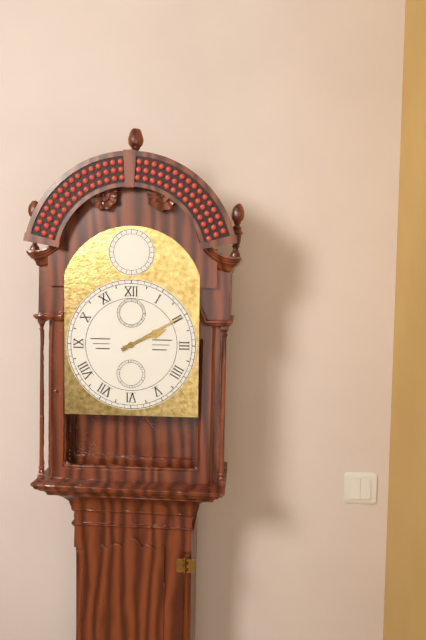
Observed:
{"hour": 2, "minute": 10}
